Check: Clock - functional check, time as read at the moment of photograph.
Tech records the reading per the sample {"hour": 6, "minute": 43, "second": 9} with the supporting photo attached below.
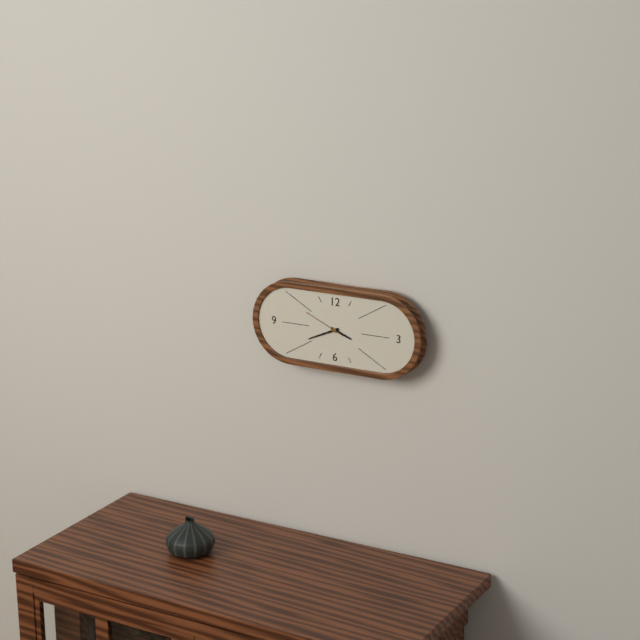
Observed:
{"hour": 3, "minute": 41, "second": 49}
